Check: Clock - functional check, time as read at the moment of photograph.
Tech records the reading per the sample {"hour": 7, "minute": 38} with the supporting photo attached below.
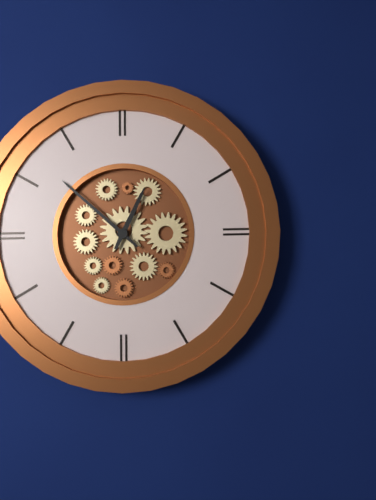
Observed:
{"hour": 12, "minute": 52}
